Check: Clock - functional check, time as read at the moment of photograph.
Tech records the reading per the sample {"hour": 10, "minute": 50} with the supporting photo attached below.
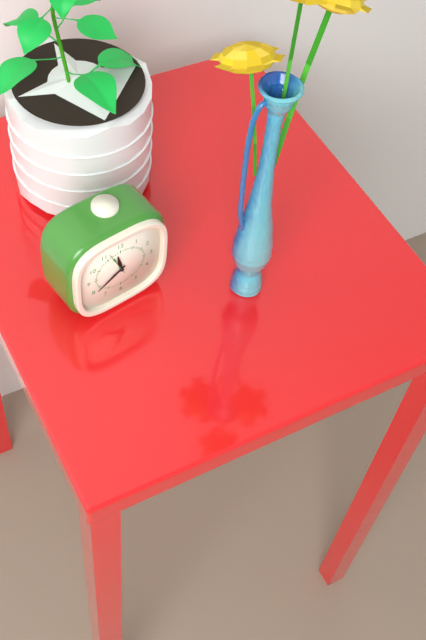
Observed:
{"hour": 11, "minute": 40}
